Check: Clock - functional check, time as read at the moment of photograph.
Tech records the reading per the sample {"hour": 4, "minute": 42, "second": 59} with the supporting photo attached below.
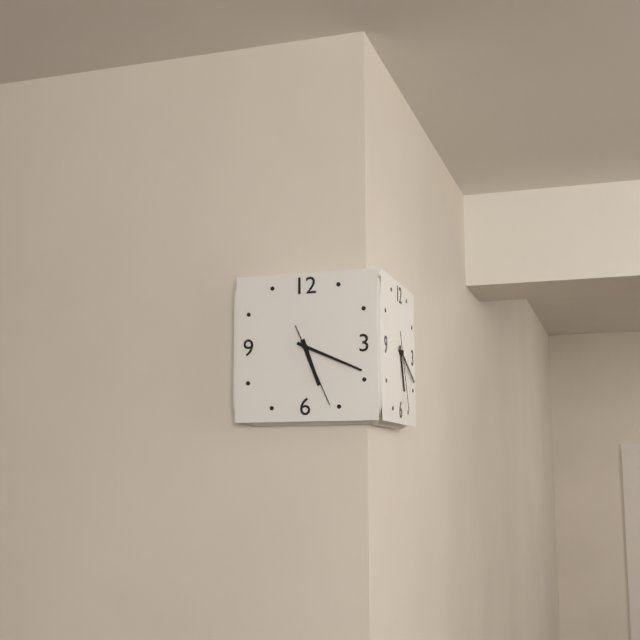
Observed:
{"hour": 5, "minute": 19, "second": 26}
